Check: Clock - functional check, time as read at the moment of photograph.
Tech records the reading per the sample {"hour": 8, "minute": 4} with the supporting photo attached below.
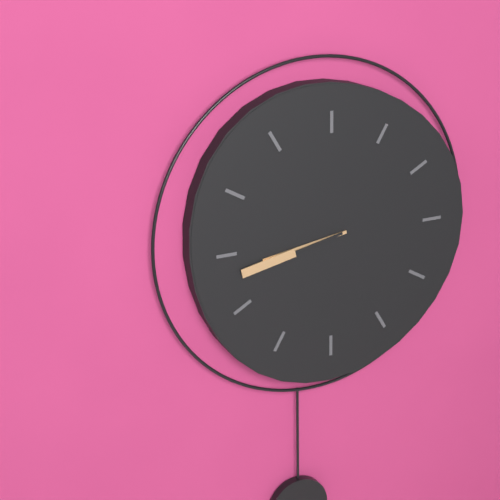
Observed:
{"hour": 8, "minute": 43}
